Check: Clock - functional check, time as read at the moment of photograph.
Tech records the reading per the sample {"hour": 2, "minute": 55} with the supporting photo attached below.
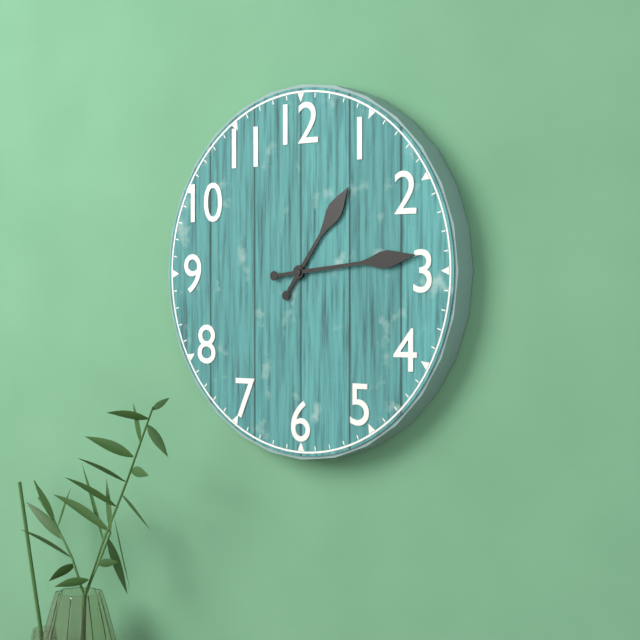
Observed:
{"hour": 1, "minute": 14}
